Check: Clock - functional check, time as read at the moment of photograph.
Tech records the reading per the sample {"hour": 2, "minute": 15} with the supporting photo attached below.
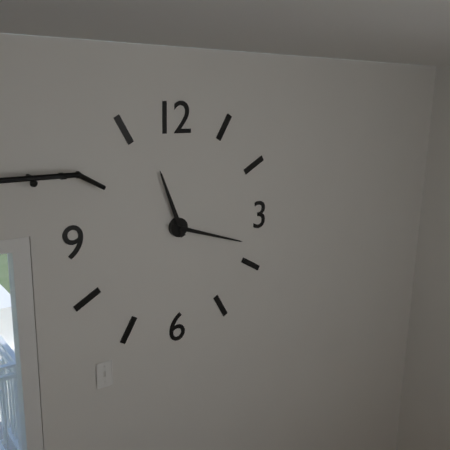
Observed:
{"hour": 11, "minute": 18}
